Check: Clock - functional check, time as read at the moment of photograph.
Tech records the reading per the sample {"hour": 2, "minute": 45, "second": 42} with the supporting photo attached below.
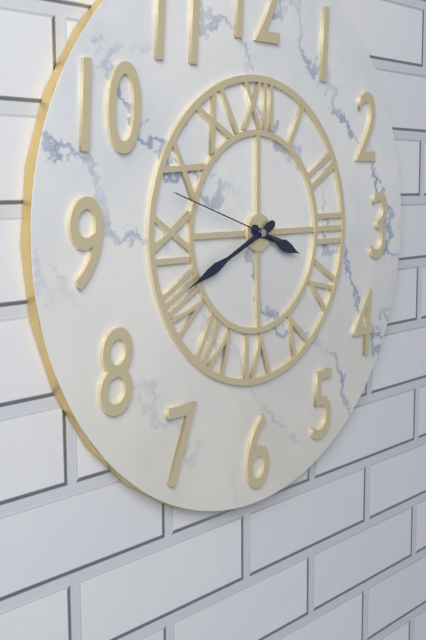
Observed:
{"hour": 3, "minute": 41, "second": 48}
